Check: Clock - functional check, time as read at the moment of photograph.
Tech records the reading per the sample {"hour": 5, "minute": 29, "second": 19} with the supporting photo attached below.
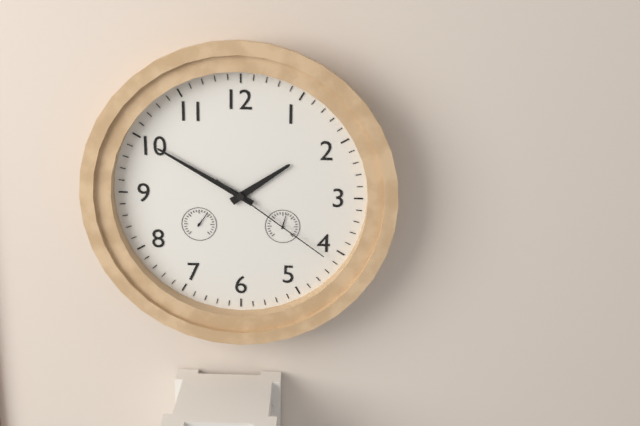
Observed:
{"hour": 1, "minute": 50, "second": 21}
